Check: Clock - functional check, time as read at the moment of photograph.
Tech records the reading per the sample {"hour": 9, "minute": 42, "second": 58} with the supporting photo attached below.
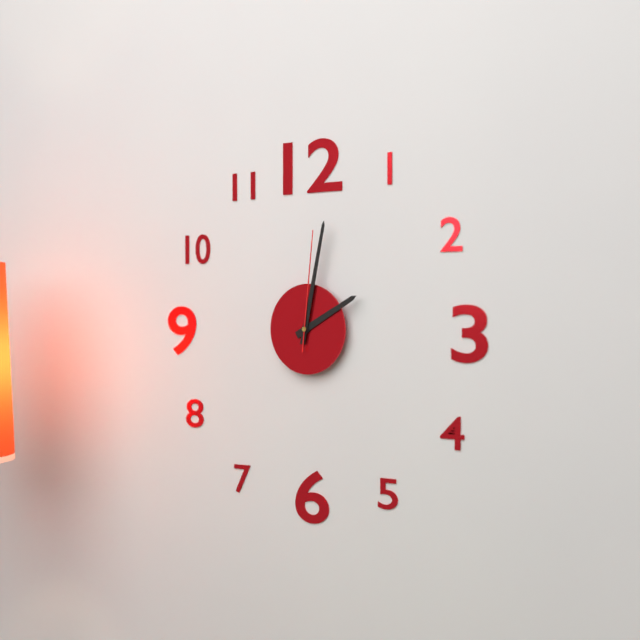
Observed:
{"hour": 2, "minute": 2, "second": 1}
